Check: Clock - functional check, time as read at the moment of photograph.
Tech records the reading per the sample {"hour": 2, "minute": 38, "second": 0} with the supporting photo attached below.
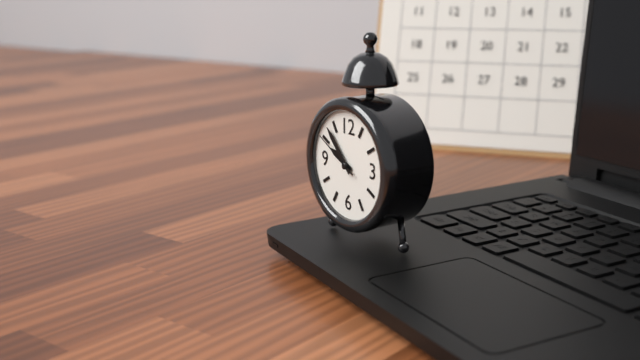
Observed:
{"hour": 9, "minute": 53, "second": 50}
